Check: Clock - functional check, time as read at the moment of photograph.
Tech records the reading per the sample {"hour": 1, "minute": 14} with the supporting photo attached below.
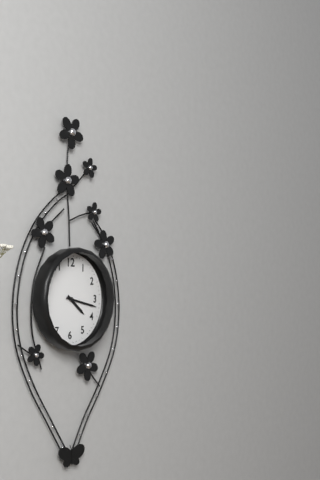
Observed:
{"hour": 4, "minute": 17}
